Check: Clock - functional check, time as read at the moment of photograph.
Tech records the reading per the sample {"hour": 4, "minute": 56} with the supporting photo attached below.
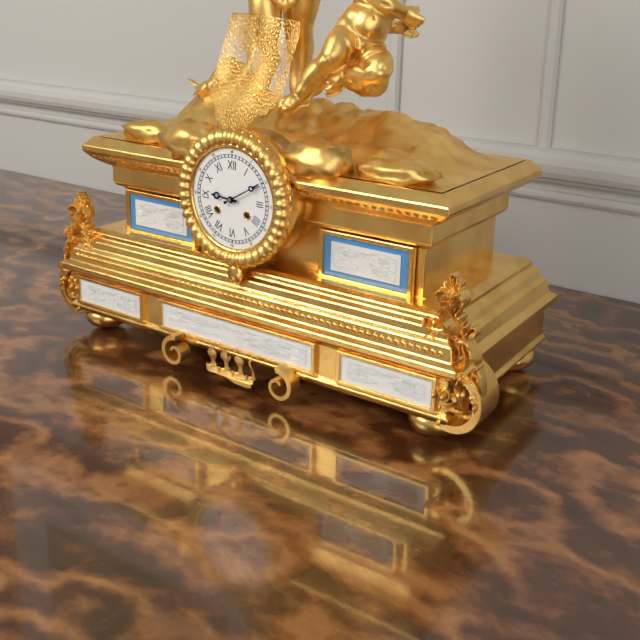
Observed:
{"hour": 9, "minute": 10}
